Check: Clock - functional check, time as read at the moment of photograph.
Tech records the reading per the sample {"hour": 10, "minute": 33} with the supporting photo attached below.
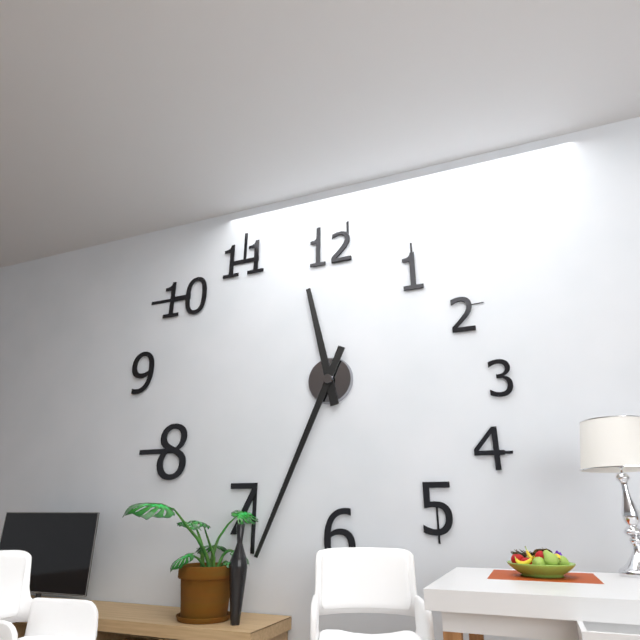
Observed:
{"hour": 11, "minute": 34}
